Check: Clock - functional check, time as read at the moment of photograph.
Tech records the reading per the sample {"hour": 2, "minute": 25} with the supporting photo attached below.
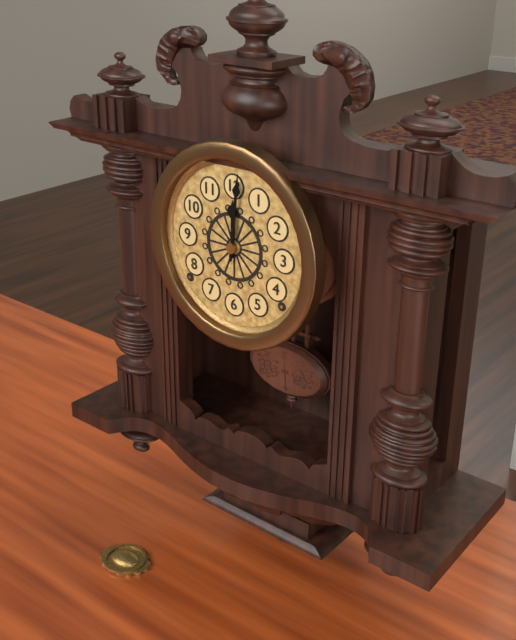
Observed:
{"hour": 12, "minute": 1}
